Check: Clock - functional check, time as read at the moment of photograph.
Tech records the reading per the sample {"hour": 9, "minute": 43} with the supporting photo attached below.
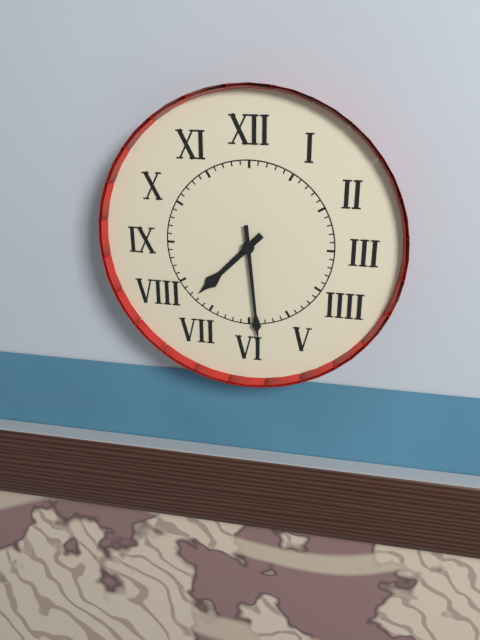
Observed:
{"hour": 7, "minute": 29}
